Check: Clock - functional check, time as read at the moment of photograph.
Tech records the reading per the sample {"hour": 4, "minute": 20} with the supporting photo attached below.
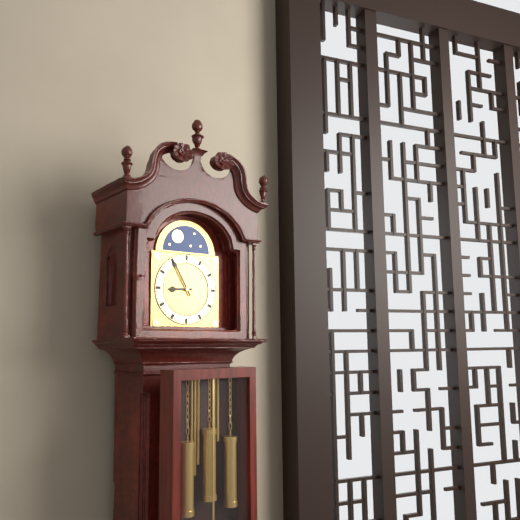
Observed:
{"hour": 8, "minute": 55}
